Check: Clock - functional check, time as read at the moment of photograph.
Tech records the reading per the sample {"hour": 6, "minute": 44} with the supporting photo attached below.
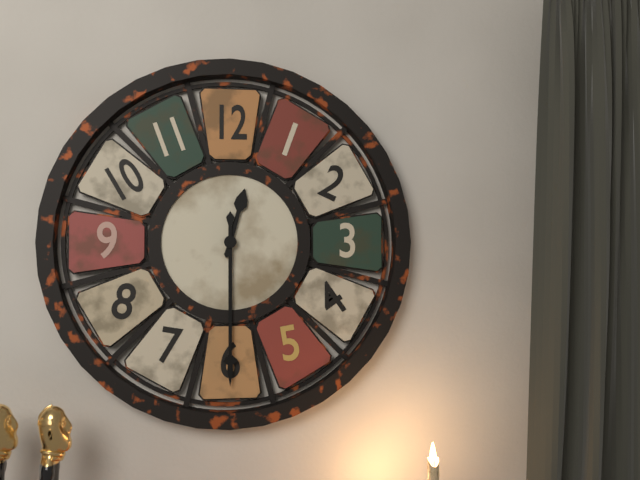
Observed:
{"hour": 12, "minute": 30}
